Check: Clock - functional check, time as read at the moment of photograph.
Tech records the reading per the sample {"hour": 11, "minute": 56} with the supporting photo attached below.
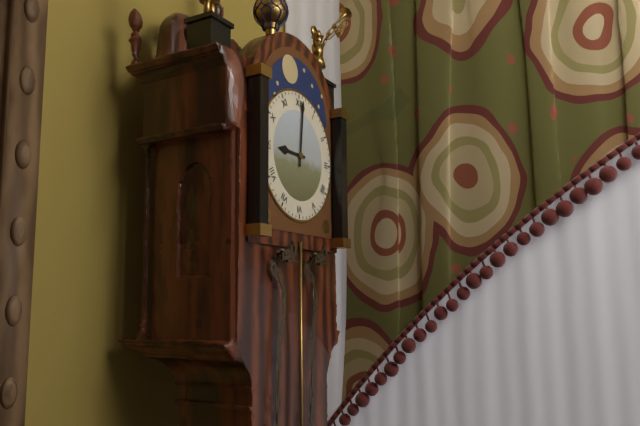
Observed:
{"hour": 9, "minute": 1}
